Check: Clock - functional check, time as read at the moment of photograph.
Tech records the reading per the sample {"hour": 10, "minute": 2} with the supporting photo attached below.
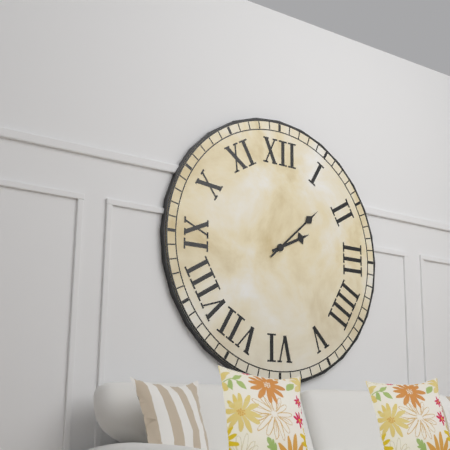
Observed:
{"hour": 2, "minute": 8}
